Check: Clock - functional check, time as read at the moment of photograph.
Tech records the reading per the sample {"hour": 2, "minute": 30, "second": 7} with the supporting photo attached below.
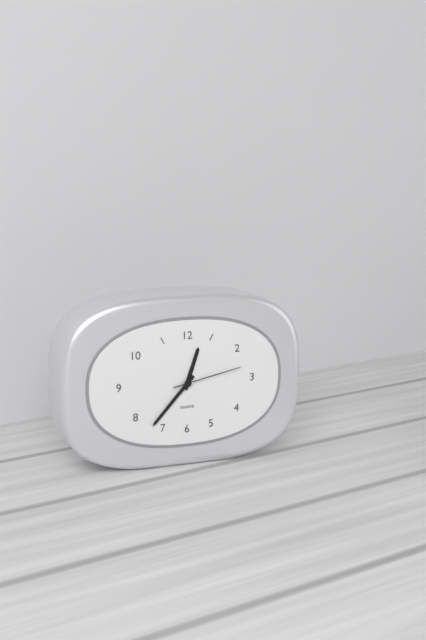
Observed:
{"hour": 12, "minute": 37, "second": 13}
